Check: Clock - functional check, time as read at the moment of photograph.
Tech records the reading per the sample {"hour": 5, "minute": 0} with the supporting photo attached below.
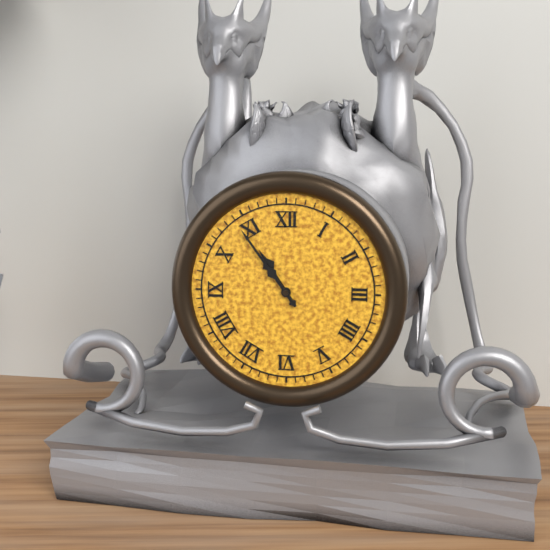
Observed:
{"hour": 10, "minute": 54}
